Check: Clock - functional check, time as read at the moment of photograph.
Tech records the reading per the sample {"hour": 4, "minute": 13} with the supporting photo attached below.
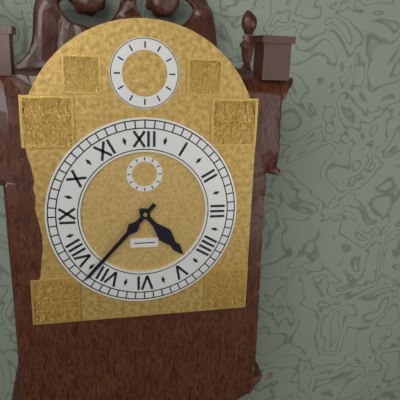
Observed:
{"hour": 4, "minute": 37}
